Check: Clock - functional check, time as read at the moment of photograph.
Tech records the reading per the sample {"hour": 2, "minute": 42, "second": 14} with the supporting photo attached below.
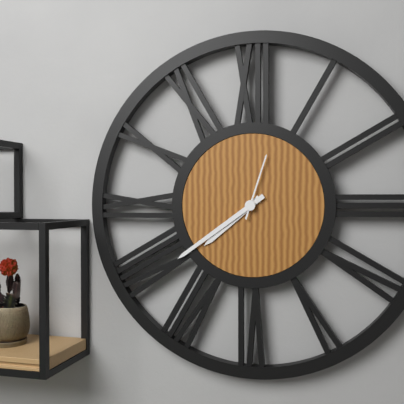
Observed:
{"hour": 7, "minute": 39, "second": 3}
